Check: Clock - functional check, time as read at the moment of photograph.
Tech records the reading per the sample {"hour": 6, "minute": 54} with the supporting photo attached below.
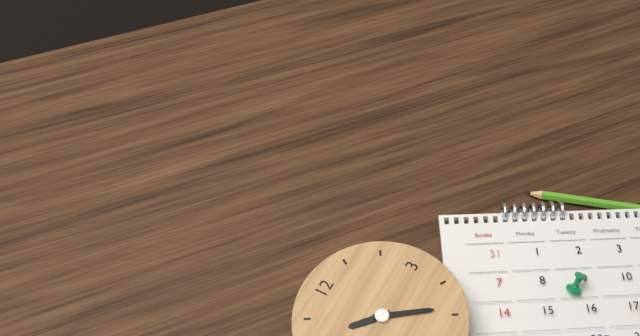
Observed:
{"hour": 10, "minute": 24}
